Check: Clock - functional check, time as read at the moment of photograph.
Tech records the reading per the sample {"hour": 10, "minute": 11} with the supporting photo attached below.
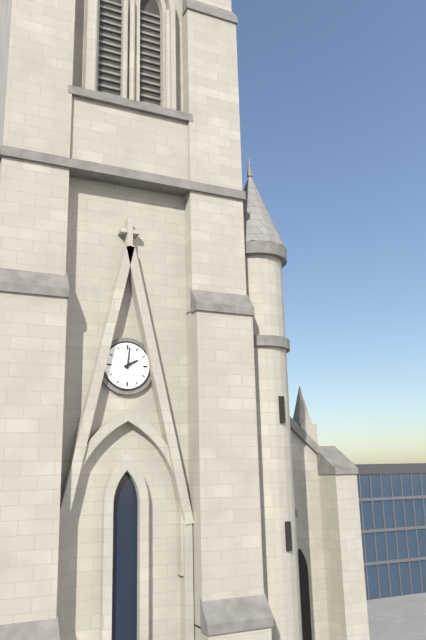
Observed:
{"hour": 2, "minute": 1}
